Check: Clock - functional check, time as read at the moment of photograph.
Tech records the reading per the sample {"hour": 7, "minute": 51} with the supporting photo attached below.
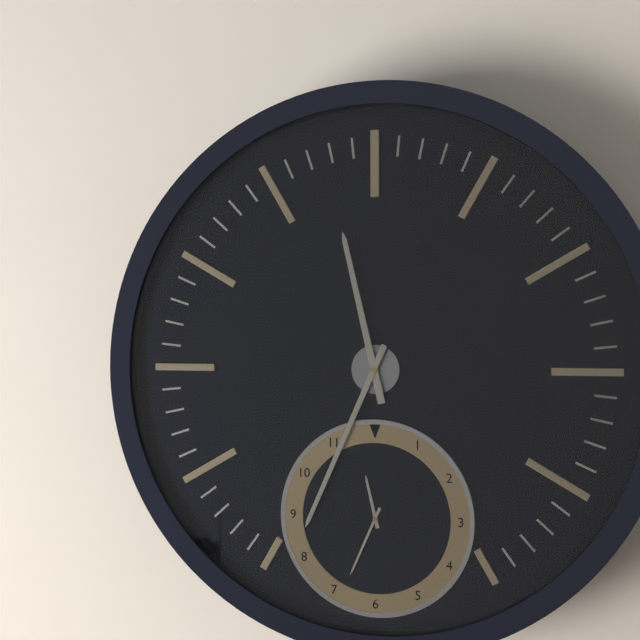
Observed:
{"hour": 11, "minute": 34}
